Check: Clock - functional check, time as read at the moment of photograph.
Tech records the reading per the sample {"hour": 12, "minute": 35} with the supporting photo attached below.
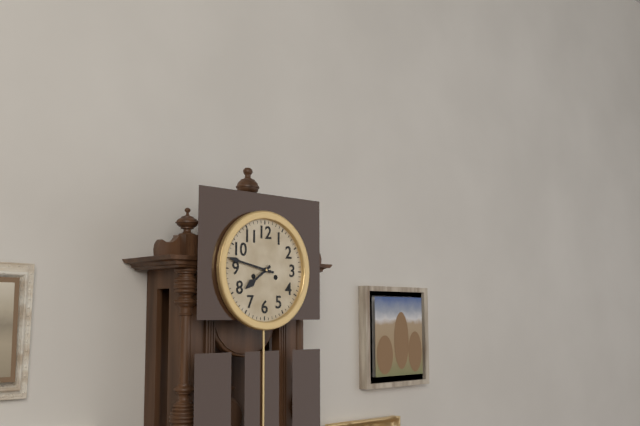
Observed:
{"hour": 7, "minute": 47}
